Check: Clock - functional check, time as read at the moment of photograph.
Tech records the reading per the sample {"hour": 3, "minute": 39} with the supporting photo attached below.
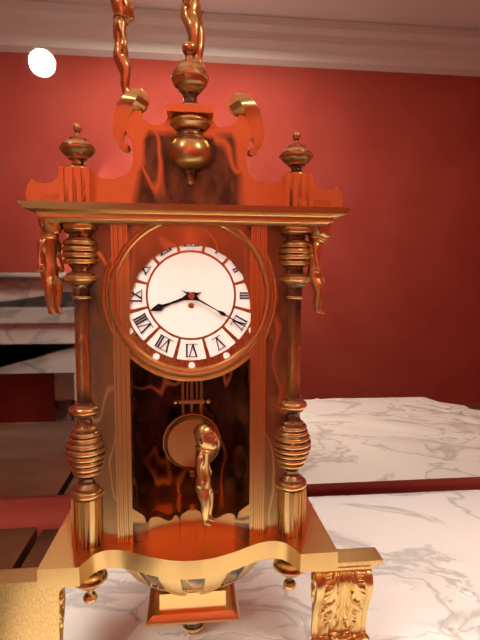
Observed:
{"hour": 8, "minute": 20}
